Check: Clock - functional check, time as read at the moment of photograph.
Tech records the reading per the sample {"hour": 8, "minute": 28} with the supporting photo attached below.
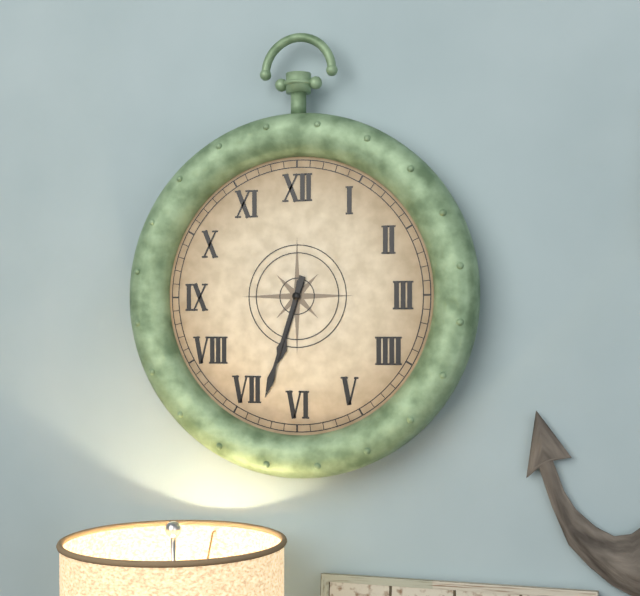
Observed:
{"hour": 6, "minute": 33}
